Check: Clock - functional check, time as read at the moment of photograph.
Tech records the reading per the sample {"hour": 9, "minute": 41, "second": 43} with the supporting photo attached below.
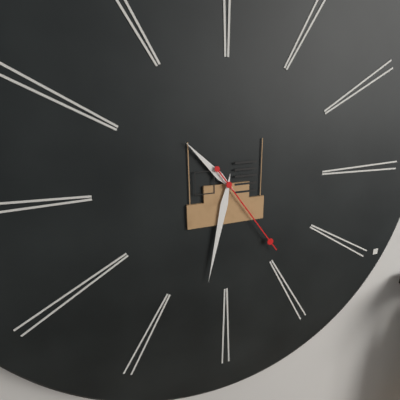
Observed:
{"hour": 10, "minute": 32, "second": 24}
